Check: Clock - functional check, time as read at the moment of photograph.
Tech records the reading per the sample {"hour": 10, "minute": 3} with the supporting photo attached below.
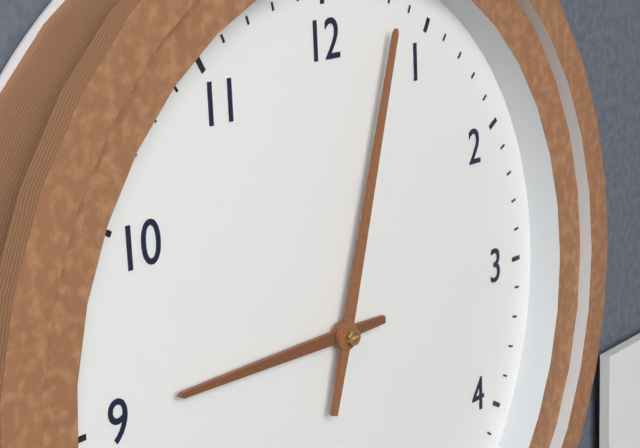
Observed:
{"hour": 9, "minute": 3}
